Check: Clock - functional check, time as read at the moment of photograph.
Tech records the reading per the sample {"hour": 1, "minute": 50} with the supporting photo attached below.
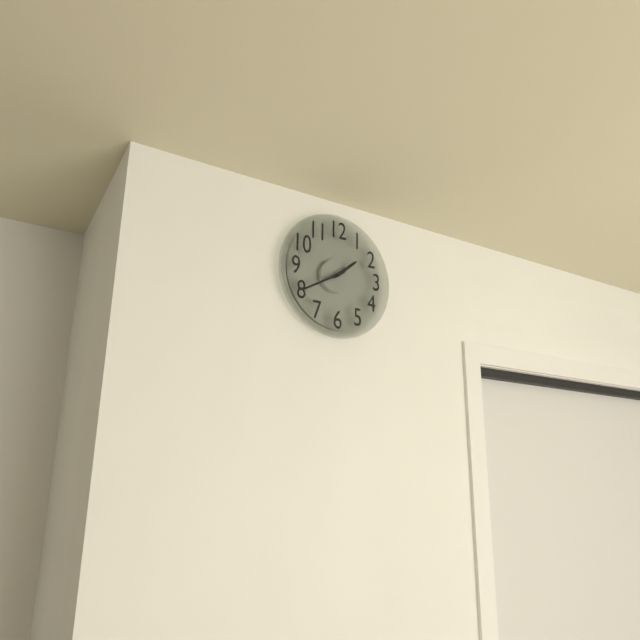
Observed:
{"hour": 1, "minute": 40}
